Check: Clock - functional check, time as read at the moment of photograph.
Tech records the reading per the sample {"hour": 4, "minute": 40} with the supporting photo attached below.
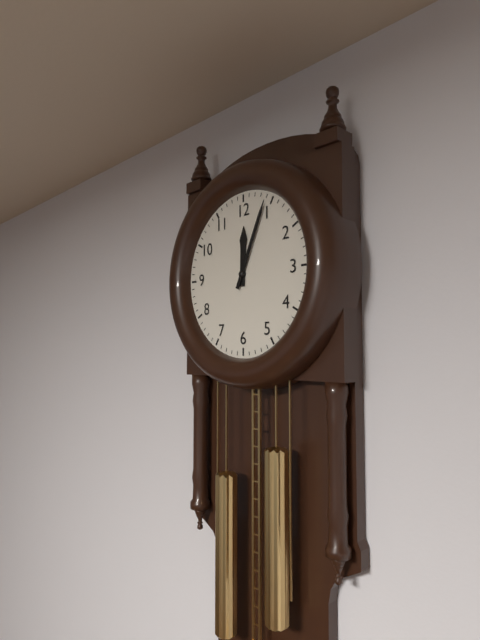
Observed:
{"hour": 12, "minute": 4}
